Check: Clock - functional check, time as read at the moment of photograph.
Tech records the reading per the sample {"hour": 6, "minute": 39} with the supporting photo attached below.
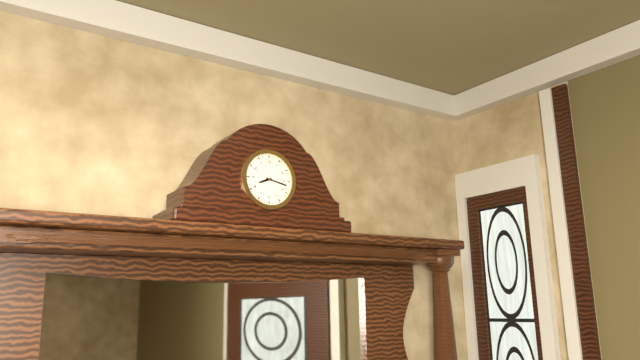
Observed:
{"hour": 8, "minute": 17}
